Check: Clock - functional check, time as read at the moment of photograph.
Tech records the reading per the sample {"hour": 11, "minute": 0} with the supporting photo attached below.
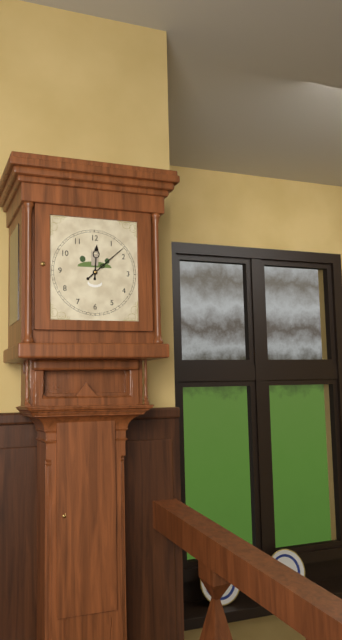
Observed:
{"hour": 12, "minute": 8}
